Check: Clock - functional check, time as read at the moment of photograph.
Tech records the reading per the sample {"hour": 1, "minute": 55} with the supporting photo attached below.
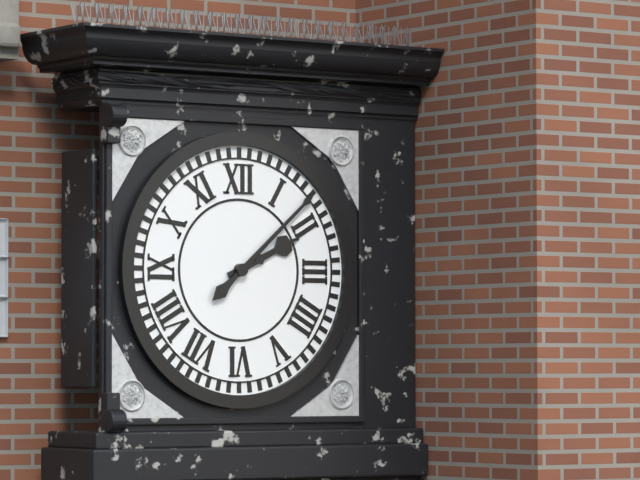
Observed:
{"hour": 2, "minute": 8}
